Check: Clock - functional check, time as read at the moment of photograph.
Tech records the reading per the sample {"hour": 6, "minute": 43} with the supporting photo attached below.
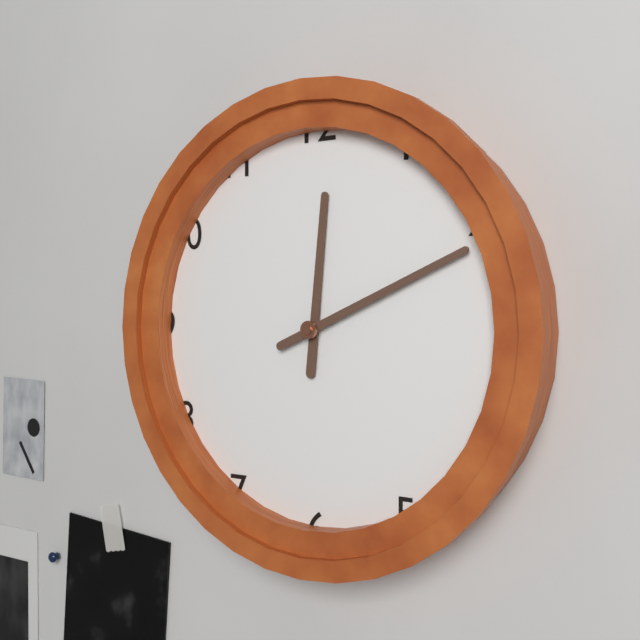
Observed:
{"hour": 12, "minute": 11}
